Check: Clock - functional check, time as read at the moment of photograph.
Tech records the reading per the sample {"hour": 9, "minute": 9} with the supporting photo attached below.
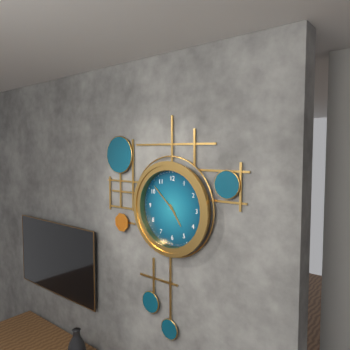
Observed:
{"hour": 4, "minute": 52}
